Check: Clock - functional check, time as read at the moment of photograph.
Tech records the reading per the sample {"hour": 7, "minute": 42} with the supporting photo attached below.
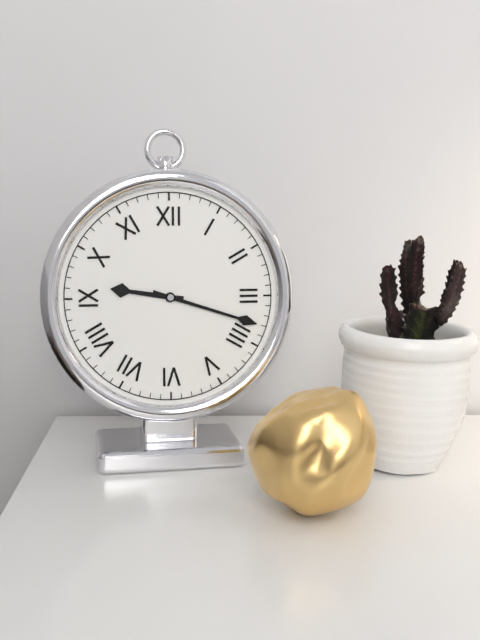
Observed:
{"hour": 9, "minute": 18}
